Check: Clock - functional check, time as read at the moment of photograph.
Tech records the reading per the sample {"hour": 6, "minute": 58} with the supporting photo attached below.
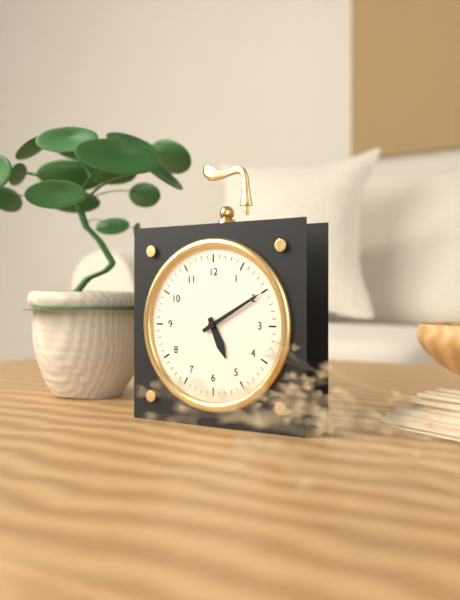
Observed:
{"hour": 5, "minute": 10}
